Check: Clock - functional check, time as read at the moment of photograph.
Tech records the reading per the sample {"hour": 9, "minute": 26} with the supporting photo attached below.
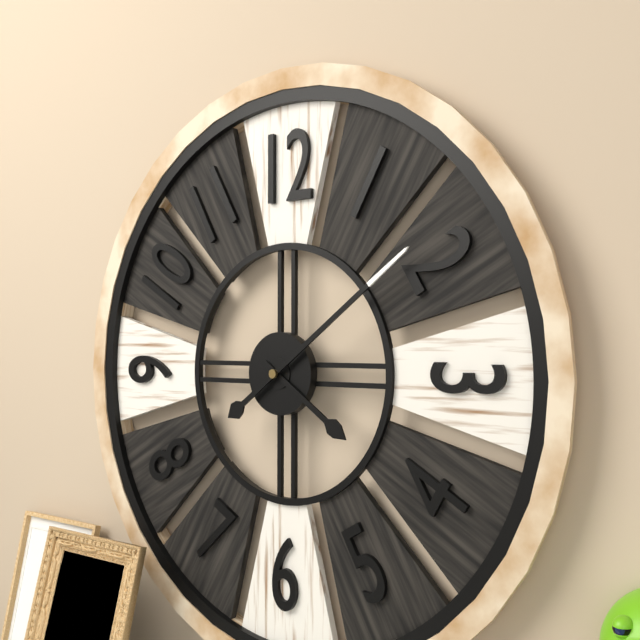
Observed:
{"hour": 4, "minute": 9}
